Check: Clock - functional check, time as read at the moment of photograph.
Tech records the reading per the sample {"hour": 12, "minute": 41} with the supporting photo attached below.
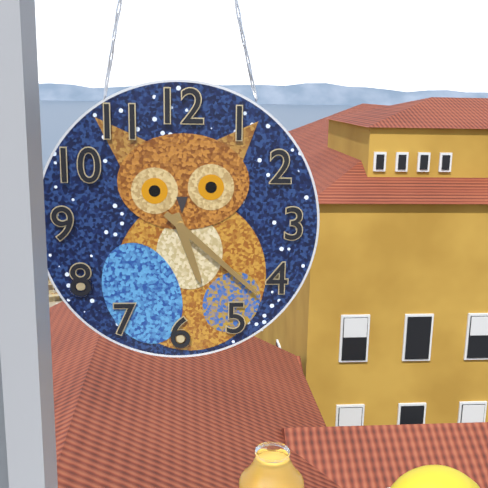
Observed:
{"hour": 5, "minute": 22}
